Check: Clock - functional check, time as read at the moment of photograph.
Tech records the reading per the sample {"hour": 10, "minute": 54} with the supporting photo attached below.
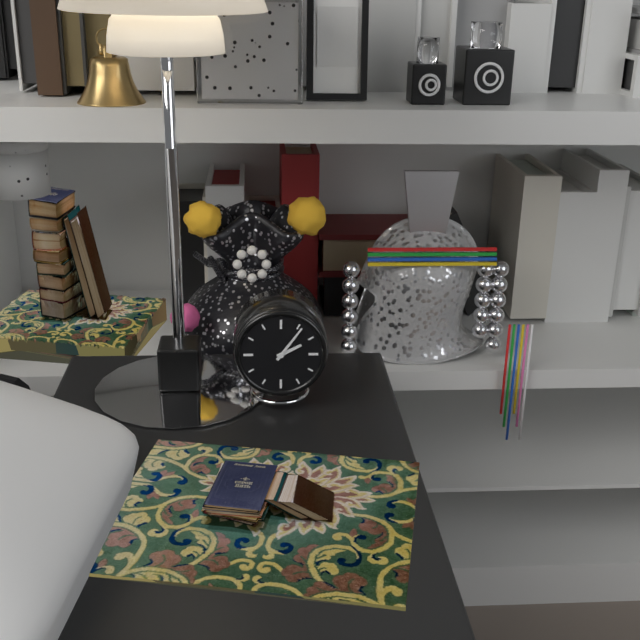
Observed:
{"hour": 2, "minute": 6}
